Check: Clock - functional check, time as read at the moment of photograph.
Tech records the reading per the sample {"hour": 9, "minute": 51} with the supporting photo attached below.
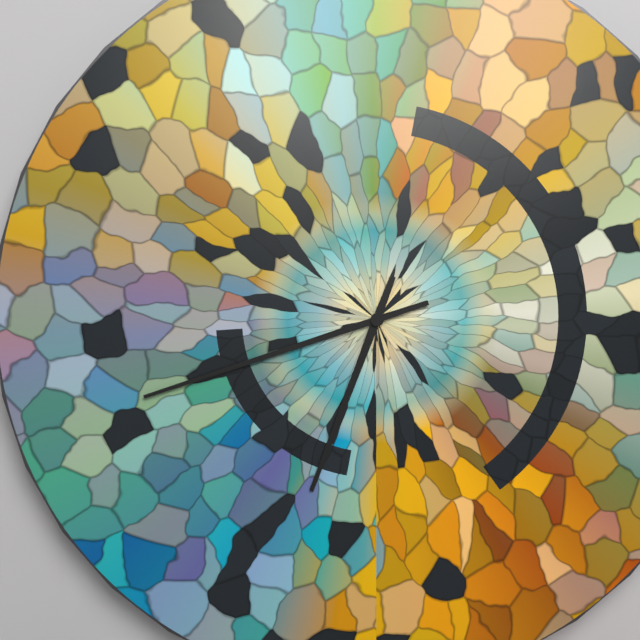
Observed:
{"hour": 6, "minute": 42}
